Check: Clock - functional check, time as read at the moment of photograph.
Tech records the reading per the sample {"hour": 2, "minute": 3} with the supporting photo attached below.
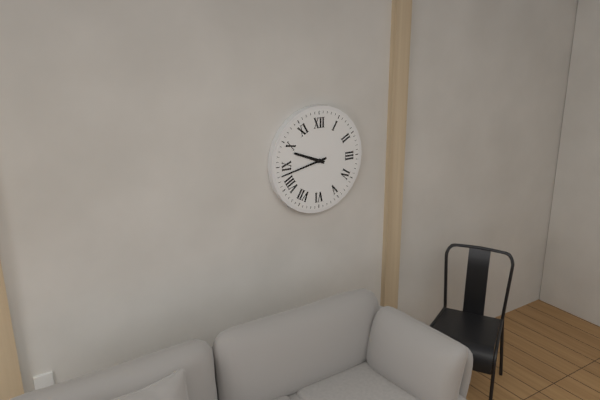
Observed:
{"hour": 9, "minute": 43}
